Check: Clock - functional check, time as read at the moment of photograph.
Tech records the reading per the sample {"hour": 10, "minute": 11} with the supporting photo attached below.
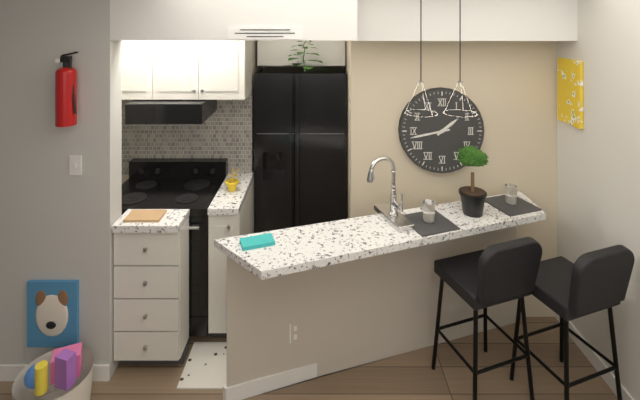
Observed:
{"hour": 1, "minute": 43}
